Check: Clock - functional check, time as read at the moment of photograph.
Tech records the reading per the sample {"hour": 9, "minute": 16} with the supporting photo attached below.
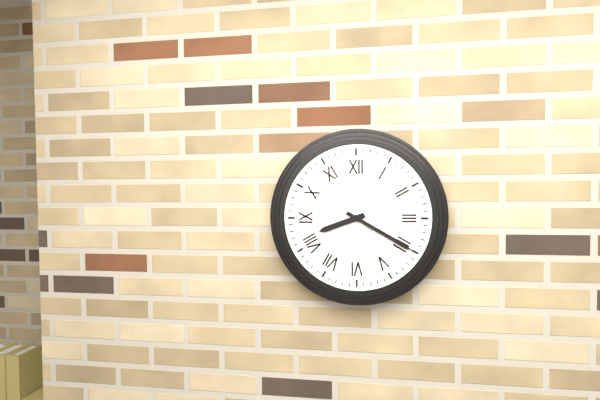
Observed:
{"hour": 8, "minute": 20}
